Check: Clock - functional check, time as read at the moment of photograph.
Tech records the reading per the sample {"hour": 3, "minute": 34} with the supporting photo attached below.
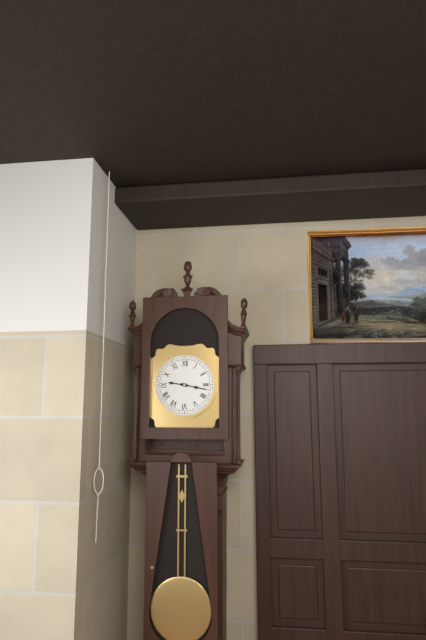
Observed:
{"hour": 9, "minute": 17}
